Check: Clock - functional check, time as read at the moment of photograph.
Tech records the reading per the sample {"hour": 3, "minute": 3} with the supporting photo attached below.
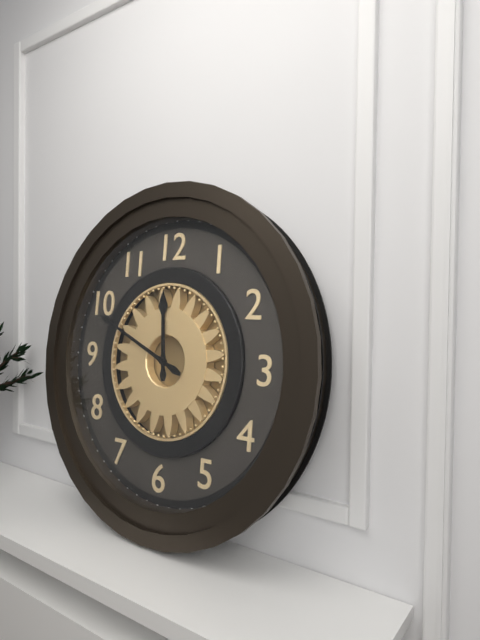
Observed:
{"hour": 11, "minute": 49}
